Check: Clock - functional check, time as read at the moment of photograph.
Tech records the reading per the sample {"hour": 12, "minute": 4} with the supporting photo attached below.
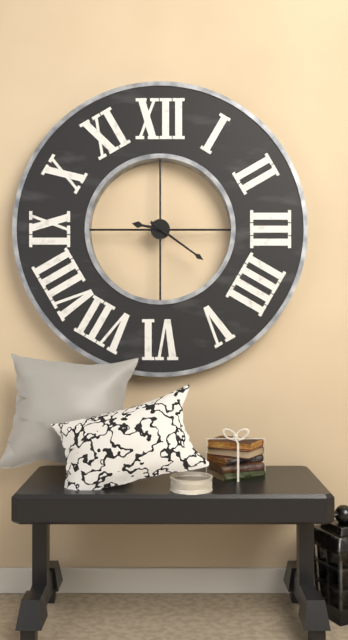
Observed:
{"hour": 9, "minute": 21}
